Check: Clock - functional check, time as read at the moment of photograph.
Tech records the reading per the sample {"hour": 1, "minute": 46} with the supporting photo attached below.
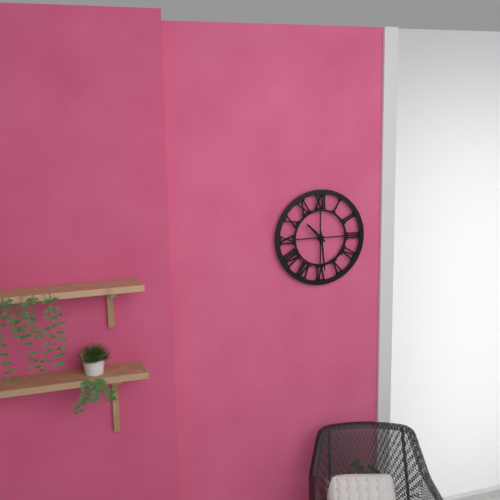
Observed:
{"hour": 10, "minute": 29}
